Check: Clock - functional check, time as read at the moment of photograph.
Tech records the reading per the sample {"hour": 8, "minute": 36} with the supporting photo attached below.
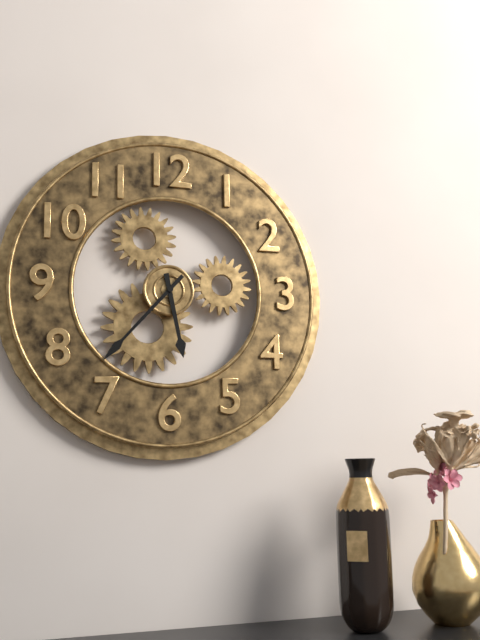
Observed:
{"hour": 5, "minute": 37}
